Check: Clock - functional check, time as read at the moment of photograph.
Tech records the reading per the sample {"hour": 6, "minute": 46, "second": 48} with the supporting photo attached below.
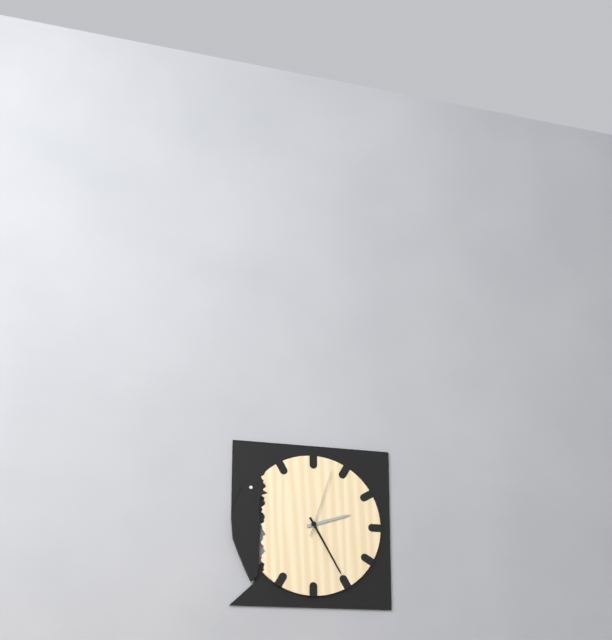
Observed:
{"hour": 2, "minute": 25, "second": 3}
